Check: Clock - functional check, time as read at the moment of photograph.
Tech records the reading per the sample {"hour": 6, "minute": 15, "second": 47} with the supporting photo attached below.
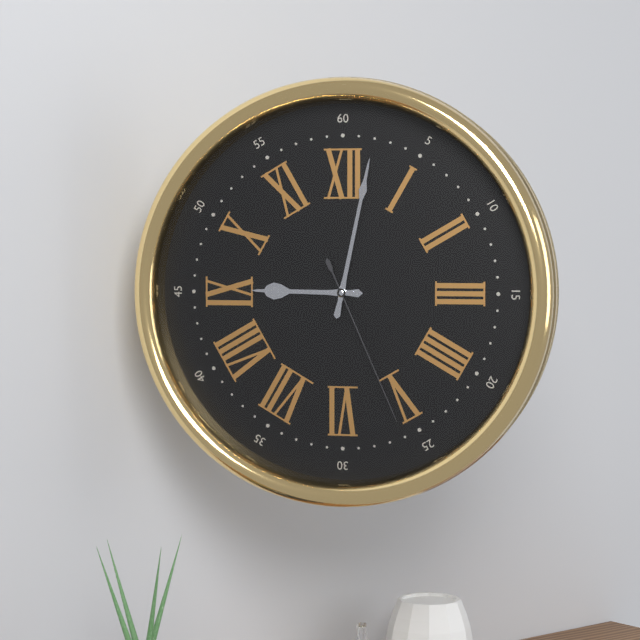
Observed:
{"hour": 9, "minute": 2, "second": 26}
